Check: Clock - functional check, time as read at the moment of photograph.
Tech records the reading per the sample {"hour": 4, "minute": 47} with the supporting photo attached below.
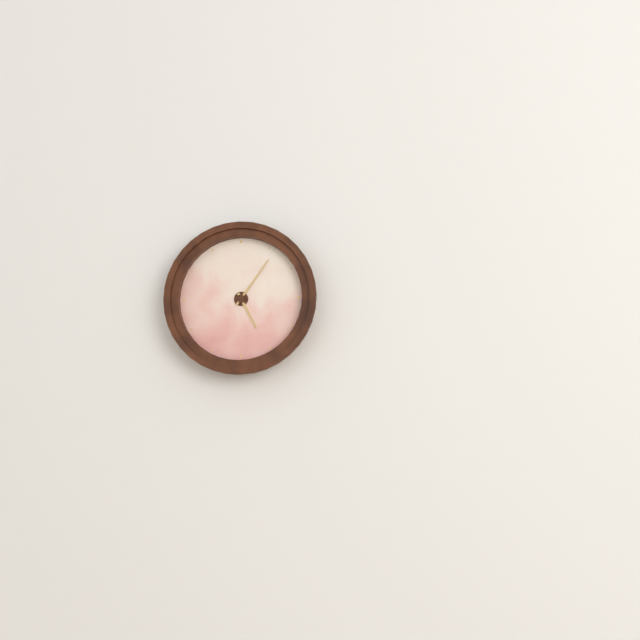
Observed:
{"hour": 5, "minute": 6}
